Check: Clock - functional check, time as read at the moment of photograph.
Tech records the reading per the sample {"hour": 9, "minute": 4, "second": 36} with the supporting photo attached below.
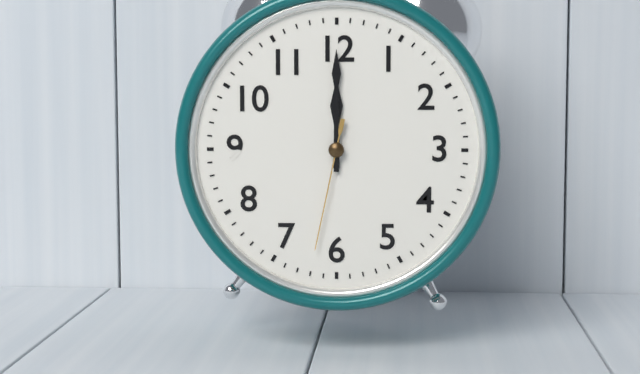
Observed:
{"hour": 12, "minute": 0, "second": 32}
